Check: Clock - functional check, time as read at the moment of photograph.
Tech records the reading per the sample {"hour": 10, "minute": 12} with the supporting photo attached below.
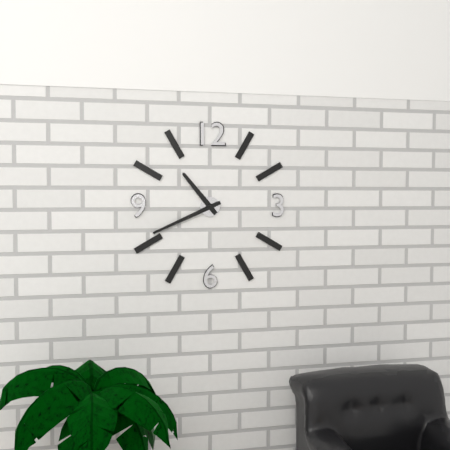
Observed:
{"hour": 10, "minute": 41}
